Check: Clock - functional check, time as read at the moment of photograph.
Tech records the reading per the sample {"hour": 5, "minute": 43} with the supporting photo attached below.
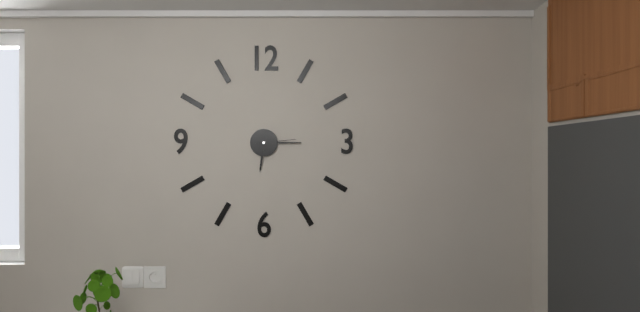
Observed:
{"hour": 6, "minute": 15}
